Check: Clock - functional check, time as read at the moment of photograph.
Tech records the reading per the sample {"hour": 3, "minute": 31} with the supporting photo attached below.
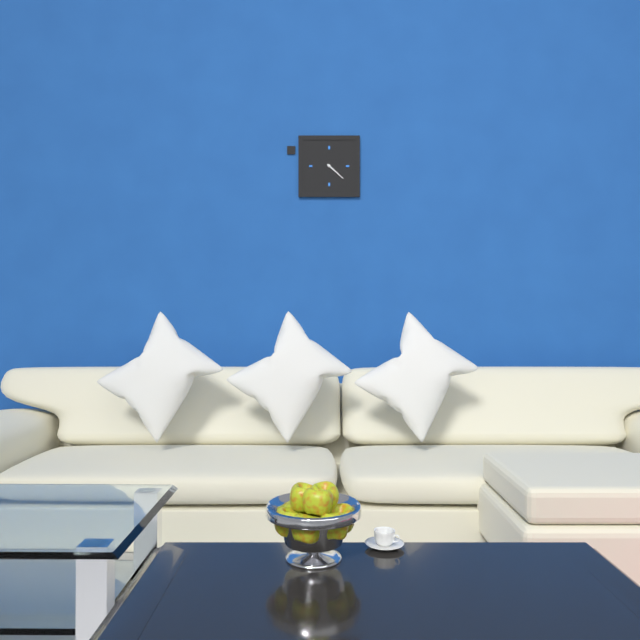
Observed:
{"hour": 4, "minute": 22}
